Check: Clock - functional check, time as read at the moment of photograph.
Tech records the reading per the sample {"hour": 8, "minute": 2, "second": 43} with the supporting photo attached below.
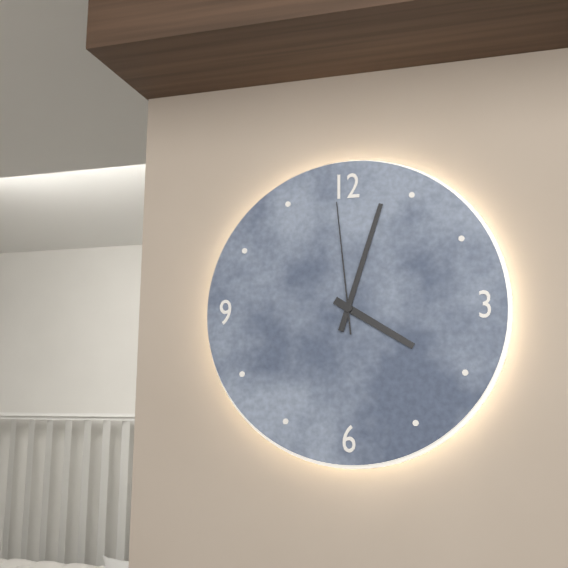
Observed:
{"hour": 4, "minute": 3, "second": 59}
